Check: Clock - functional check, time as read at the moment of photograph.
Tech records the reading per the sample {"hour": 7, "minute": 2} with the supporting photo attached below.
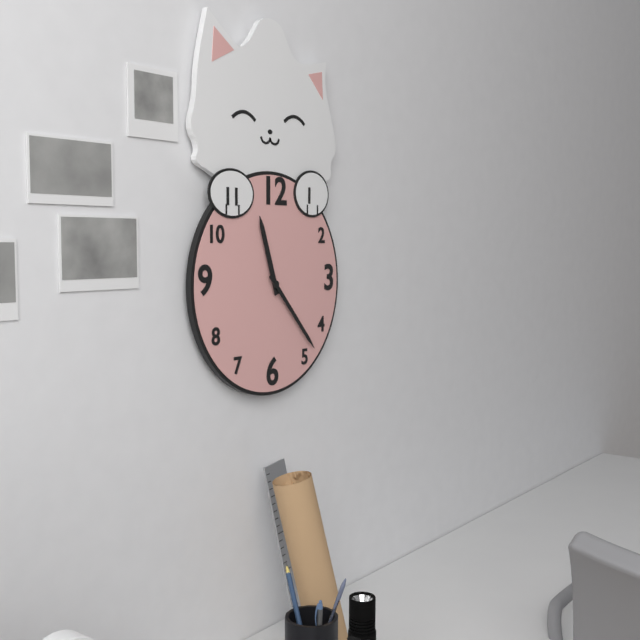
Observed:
{"hour": 11, "minute": 23}
